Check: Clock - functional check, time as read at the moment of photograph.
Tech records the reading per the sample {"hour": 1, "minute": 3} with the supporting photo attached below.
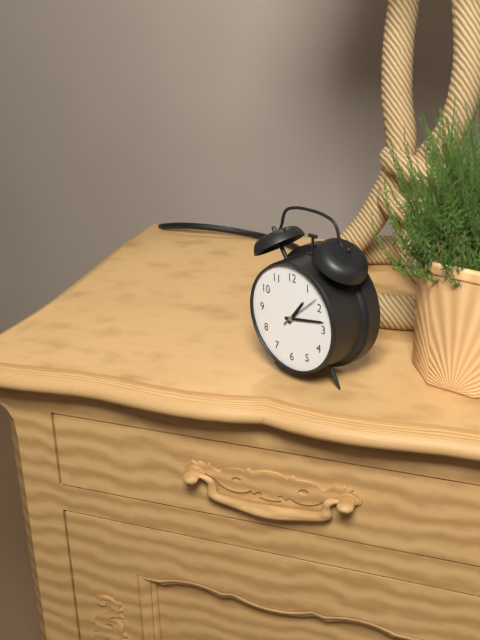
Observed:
{"hour": 1, "minute": 13}
